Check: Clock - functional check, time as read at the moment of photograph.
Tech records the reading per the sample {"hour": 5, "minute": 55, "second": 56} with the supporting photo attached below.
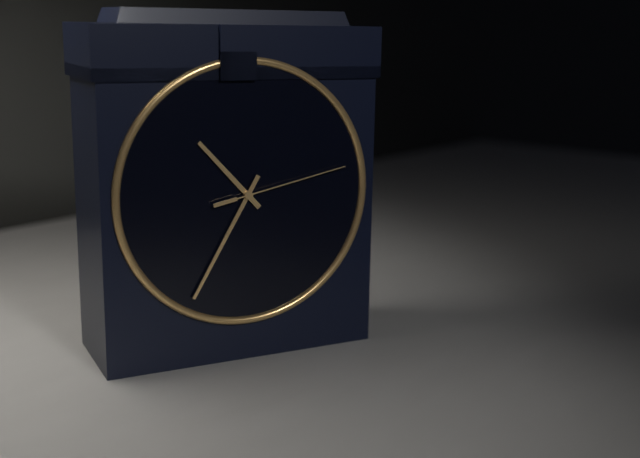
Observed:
{"hour": 10, "minute": 35, "second": 13}
